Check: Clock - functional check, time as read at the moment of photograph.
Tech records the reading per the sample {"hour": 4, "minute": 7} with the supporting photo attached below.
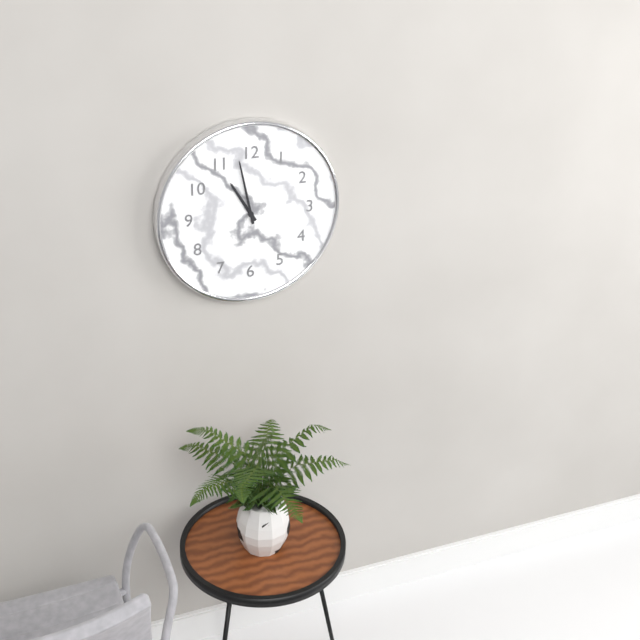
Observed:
{"hour": 10, "minute": 58}
